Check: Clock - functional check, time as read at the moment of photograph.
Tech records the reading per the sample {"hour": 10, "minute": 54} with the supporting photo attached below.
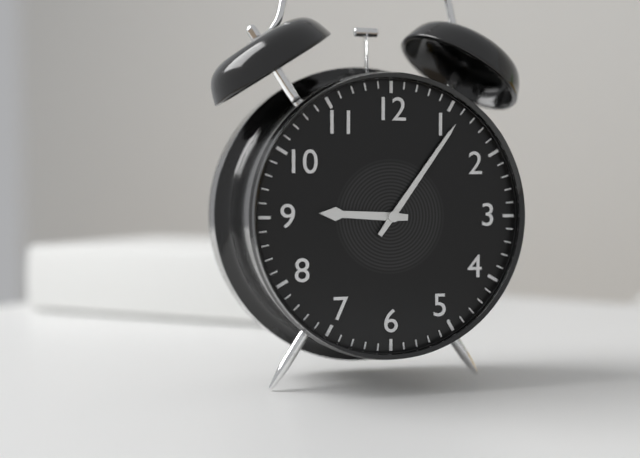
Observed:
{"hour": 9, "minute": 6}
